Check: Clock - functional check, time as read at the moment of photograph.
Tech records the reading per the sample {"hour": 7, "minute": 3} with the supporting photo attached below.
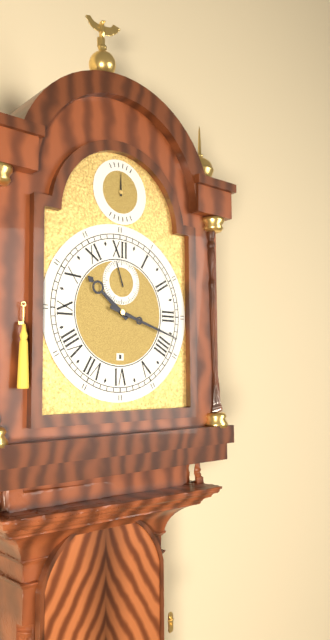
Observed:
{"hour": 10, "minute": 18}
